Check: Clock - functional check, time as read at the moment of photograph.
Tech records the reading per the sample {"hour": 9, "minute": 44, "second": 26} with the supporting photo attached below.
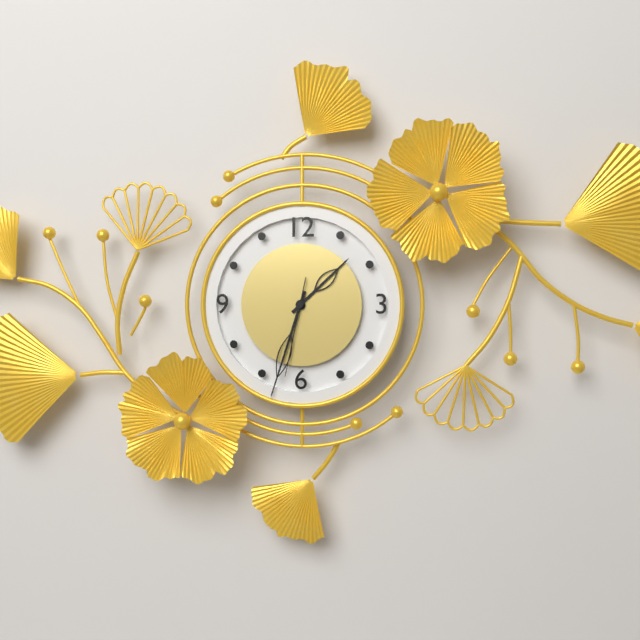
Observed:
{"hour": 1, "minute": 33, "second": 32}
